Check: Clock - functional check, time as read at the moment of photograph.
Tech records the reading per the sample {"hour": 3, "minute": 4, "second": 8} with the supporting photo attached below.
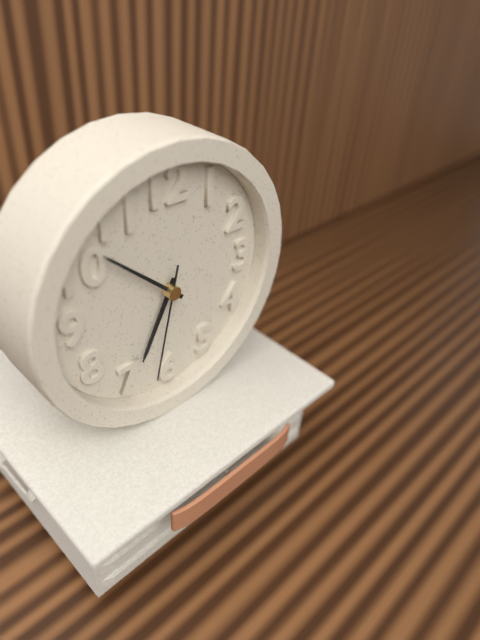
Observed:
{"hour": 6, "minute": 52, "second": 32}
